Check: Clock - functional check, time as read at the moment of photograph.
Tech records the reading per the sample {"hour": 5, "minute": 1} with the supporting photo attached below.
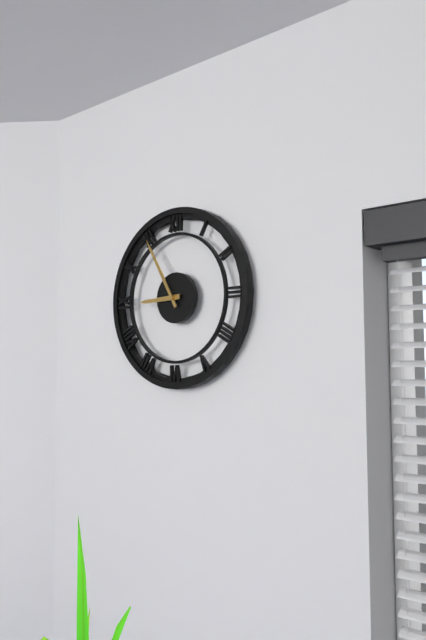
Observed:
{"hour": 8, "minute": 55}
